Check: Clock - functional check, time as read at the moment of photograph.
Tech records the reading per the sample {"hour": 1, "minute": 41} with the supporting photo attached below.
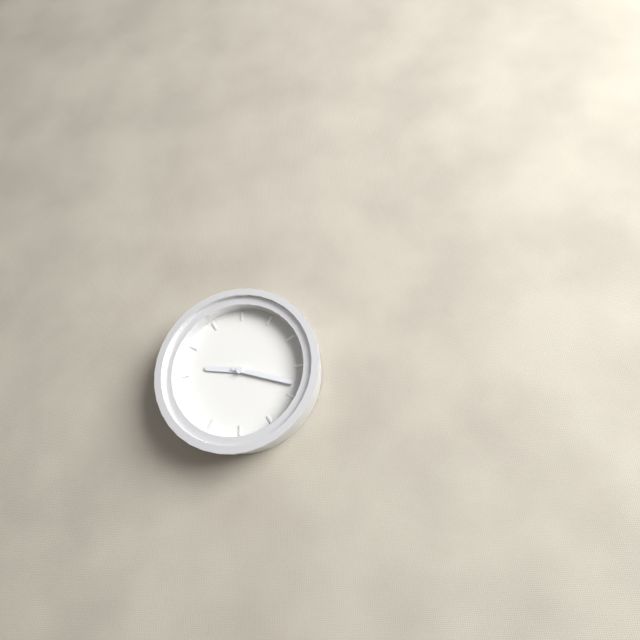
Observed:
{"hour": 9, "minute": 18}
